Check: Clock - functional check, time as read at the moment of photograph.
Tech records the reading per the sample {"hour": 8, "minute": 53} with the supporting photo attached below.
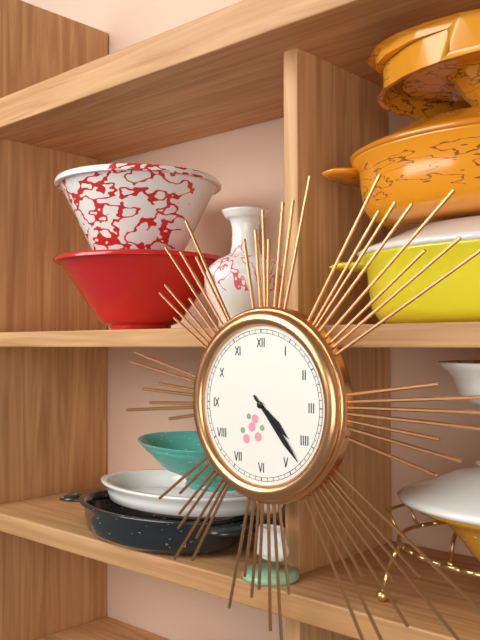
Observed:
{"hour": 4, "minute": 23}
